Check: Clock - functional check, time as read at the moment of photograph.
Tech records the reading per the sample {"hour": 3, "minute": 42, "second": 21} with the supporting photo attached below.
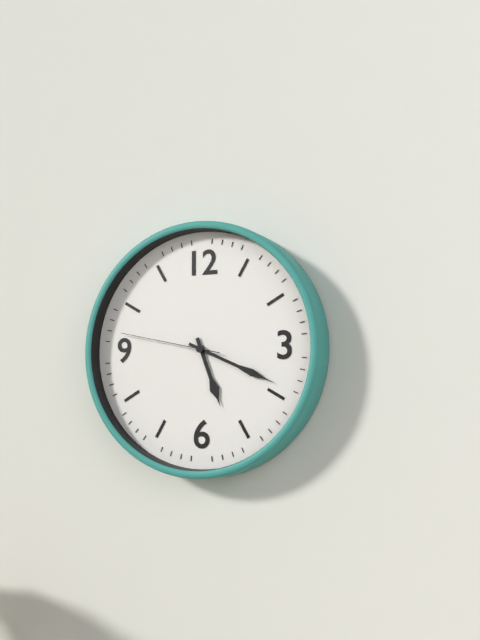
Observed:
{"hour": 5, "minute": 19, "second": 47}
